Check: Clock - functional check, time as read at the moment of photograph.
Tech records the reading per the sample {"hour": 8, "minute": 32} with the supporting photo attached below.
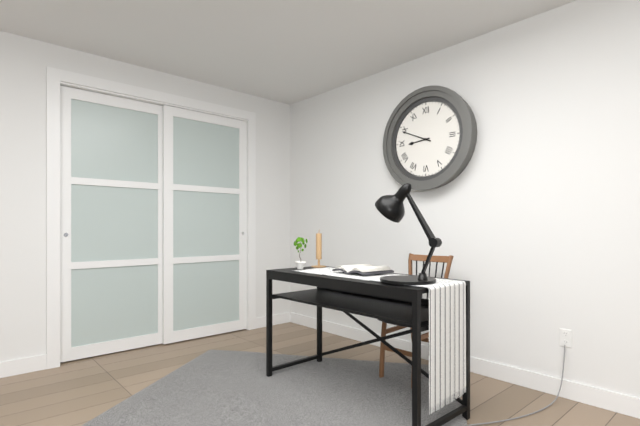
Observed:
{"hour": 8, "minute": 49}
